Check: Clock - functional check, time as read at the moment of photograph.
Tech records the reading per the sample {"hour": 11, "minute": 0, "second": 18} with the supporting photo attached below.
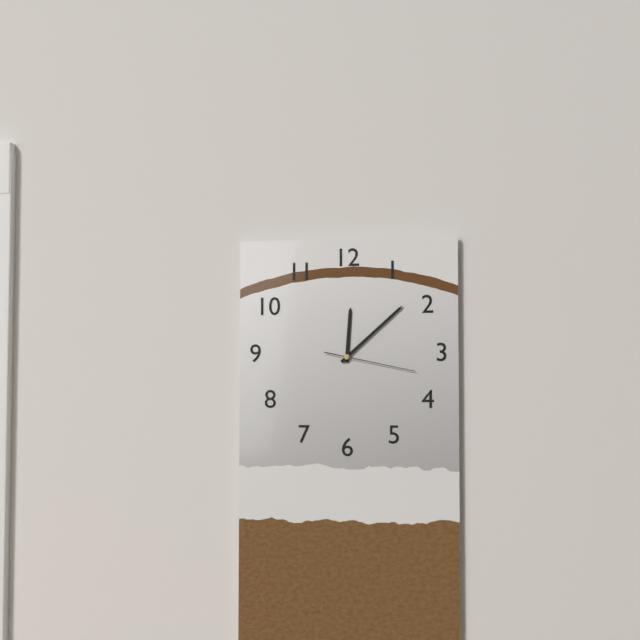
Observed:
{"hour": 12, "minute": 8, "second": 17}
